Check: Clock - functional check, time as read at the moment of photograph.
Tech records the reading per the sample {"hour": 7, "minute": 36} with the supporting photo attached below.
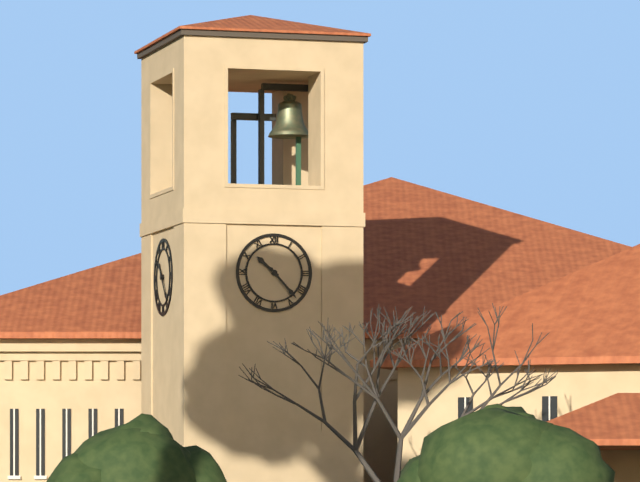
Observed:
{"hour": 10, "minute": 23}
